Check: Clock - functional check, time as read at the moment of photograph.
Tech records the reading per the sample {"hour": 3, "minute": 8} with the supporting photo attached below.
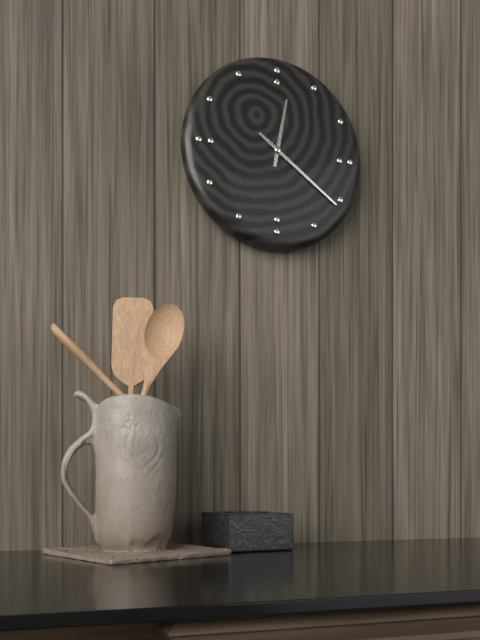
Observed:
{"hour": 12, "minute": 21}
